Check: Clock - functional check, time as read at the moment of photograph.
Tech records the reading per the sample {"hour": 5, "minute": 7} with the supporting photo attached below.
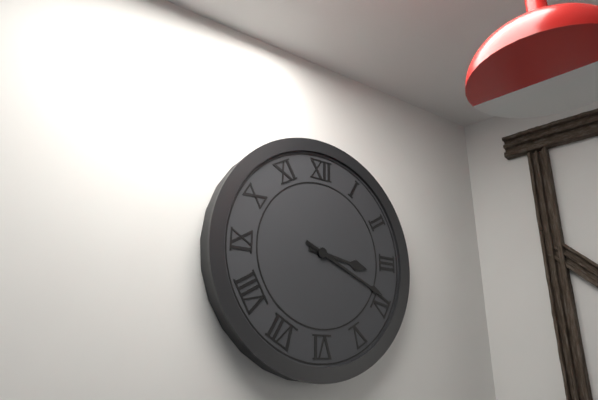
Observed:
{"hour": 3, "minute": 19}
